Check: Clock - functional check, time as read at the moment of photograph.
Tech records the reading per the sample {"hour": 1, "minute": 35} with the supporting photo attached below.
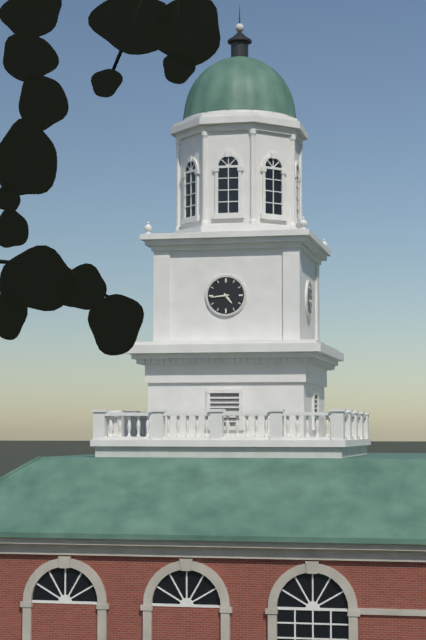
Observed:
{"hour": 4, "minute": 44}
